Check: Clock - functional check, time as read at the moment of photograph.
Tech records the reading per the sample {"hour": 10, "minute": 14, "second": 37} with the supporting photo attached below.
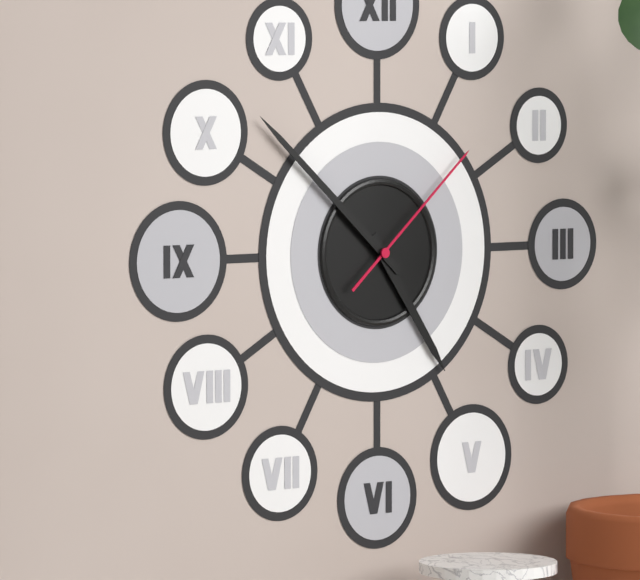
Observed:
{"hour": 4, "minute": 52, "second": 8}
